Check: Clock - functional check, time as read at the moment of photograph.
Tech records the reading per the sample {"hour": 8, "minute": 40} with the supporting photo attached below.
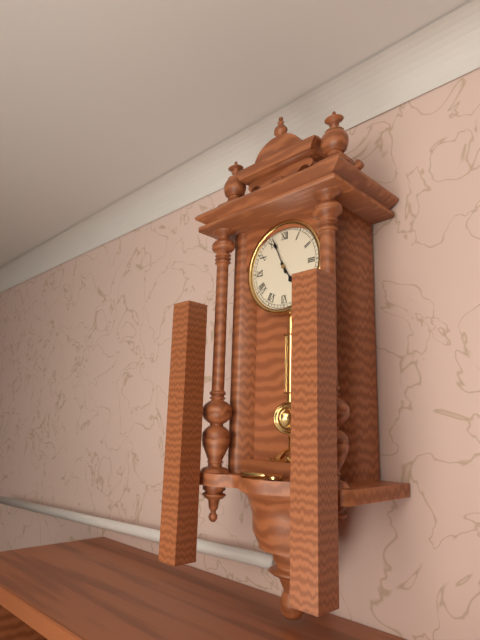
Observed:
{"hour": 4, "minute": 56}
